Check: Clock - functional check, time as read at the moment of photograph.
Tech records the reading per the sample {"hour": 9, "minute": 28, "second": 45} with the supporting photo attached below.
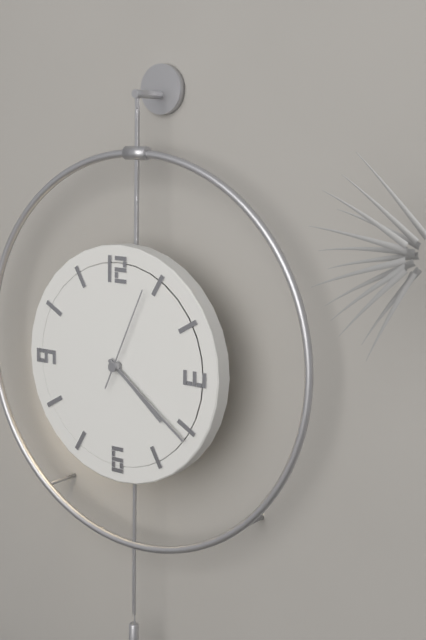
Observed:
{"hour": 4, "minute": 21, "second": 4}
